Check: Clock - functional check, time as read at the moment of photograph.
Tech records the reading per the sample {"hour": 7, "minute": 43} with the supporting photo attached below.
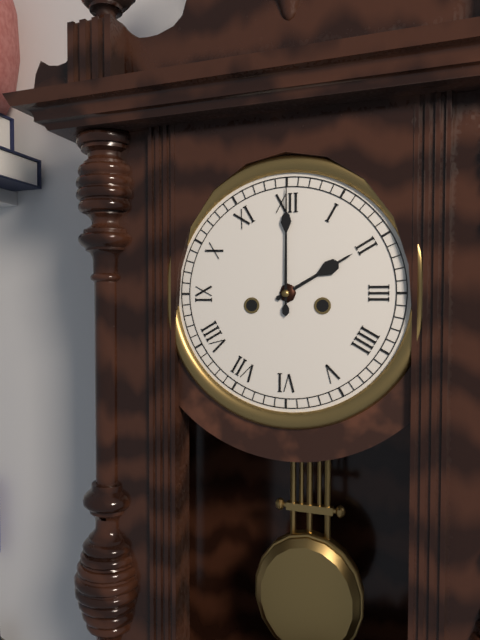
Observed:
{"hour": 2, "minute": 0}
